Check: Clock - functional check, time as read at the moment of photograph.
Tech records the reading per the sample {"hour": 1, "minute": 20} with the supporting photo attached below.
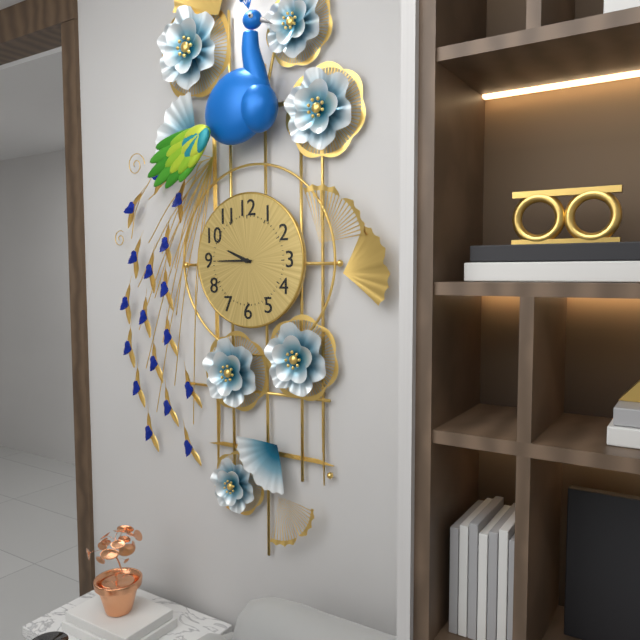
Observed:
{"hour": 9, "minute": 45}
